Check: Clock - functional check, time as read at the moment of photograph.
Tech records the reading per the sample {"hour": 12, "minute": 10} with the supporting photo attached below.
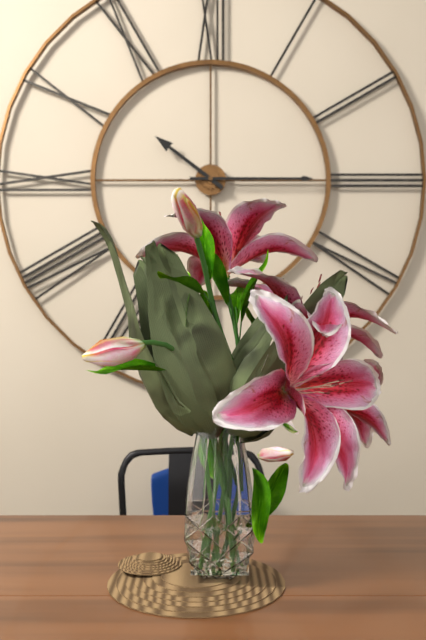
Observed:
{"hour": 10, "minute": 15}
